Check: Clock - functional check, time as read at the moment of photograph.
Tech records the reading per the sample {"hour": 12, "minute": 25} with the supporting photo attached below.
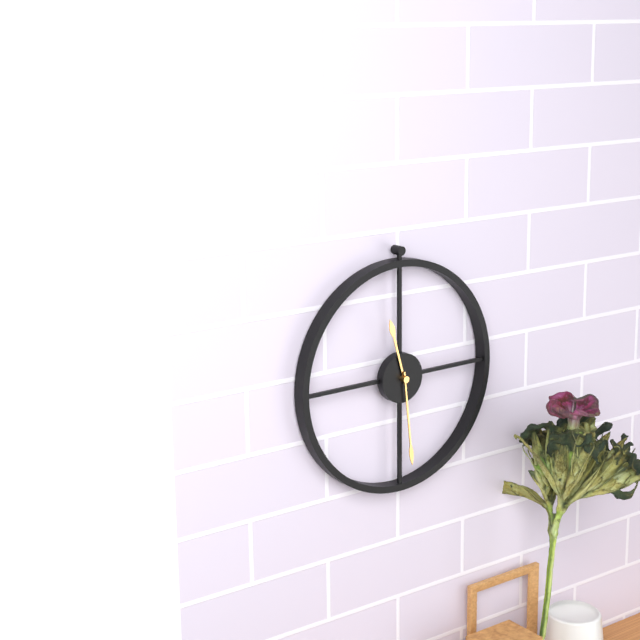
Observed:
{"hour": 11, "minute": 29}
